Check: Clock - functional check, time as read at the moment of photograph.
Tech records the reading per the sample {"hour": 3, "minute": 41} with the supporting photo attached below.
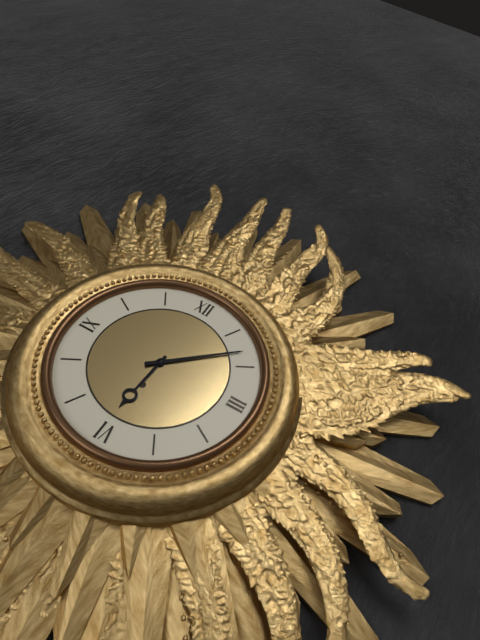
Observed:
{"hour": 6, "minute": 8}
